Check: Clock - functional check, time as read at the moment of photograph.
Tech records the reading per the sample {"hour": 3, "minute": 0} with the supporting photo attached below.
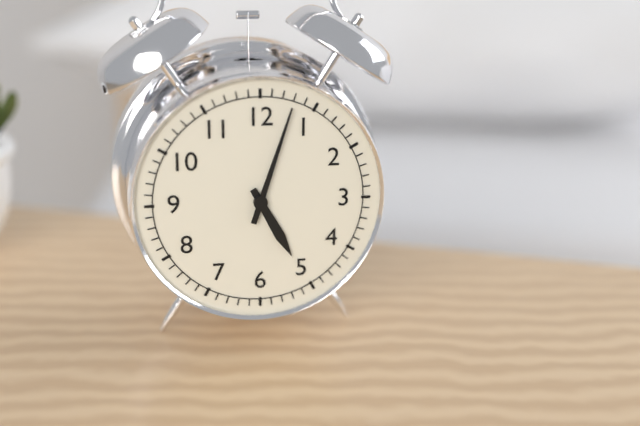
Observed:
{"hour": 5, "minute": 3}
